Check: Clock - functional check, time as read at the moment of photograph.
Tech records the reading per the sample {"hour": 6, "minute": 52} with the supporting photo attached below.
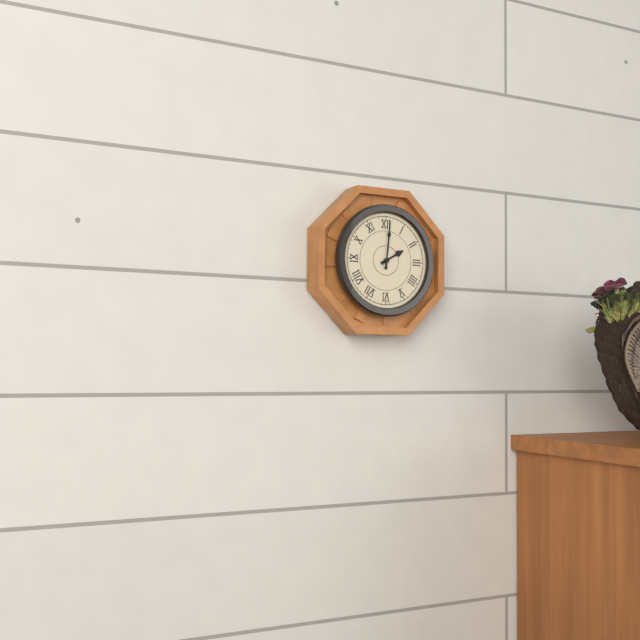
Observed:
{"hour": 2, "minute": 1}
